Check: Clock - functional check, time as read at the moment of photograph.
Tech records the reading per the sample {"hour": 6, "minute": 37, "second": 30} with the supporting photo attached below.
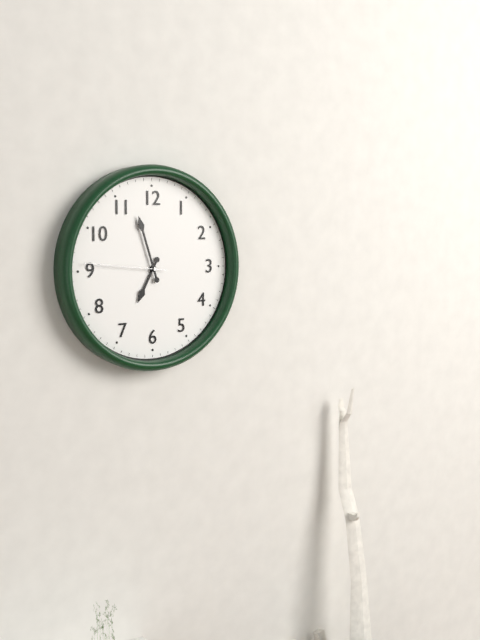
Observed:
{"hour": 6, "minute": 57, "second": 46}
